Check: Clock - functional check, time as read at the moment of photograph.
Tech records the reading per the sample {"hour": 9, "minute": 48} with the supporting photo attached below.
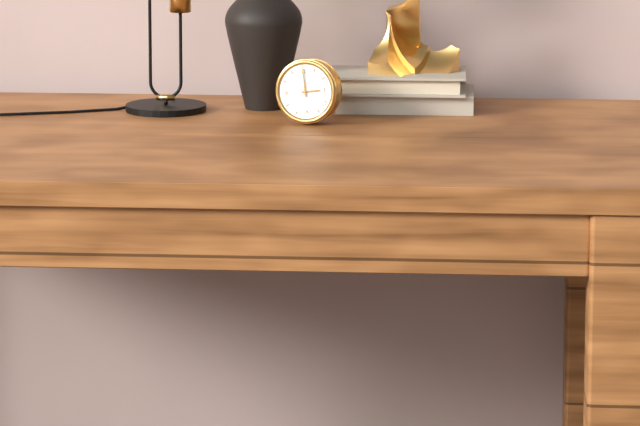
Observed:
{"hour": 3, "minute": 0}
